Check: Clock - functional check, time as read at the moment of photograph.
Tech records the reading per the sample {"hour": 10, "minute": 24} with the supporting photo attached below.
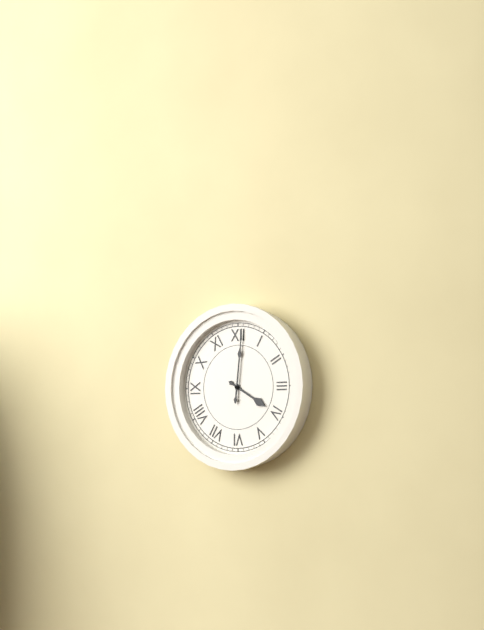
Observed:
{"hour": 4, "minute": 1}
